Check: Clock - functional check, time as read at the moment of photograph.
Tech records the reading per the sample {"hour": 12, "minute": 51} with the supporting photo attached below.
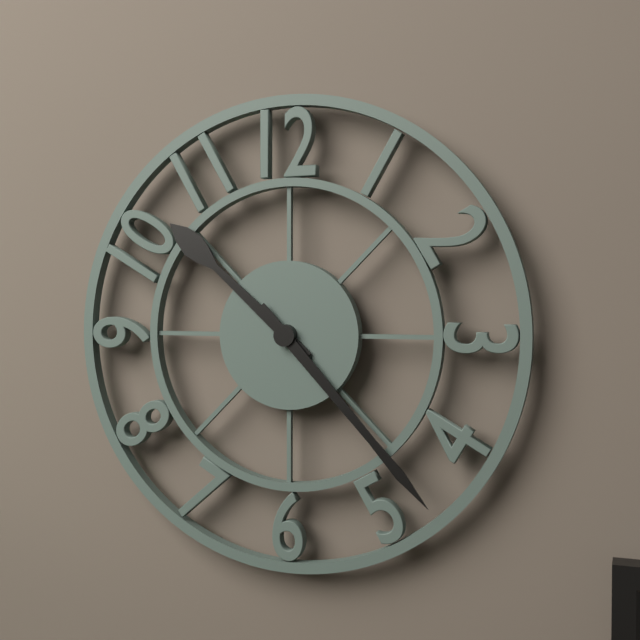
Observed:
{"hour": 10, "minute": 23}
